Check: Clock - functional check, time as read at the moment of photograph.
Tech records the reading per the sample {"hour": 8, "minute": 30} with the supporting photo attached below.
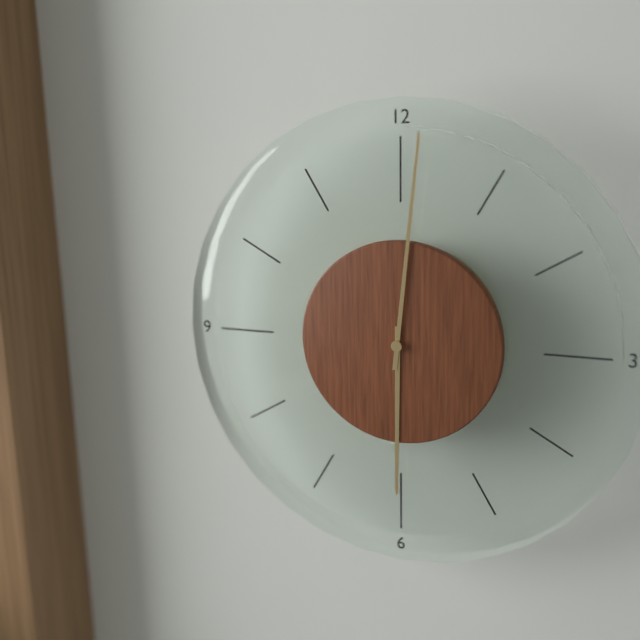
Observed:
{"hour": 6, "minute": 1}
